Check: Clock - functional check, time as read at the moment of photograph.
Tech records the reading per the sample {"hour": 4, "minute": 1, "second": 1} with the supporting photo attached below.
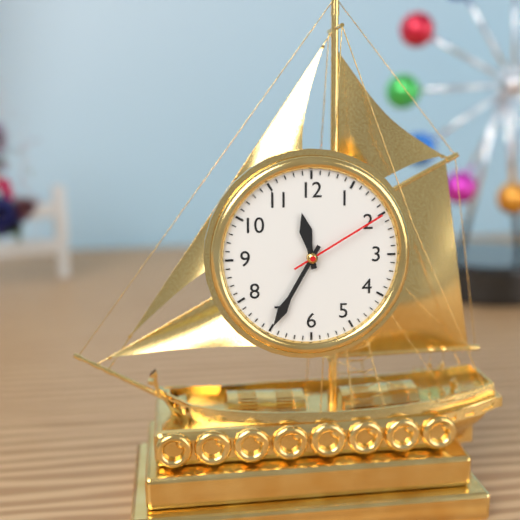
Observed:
{"hour": 11, "minute": 35, "second": 10}
